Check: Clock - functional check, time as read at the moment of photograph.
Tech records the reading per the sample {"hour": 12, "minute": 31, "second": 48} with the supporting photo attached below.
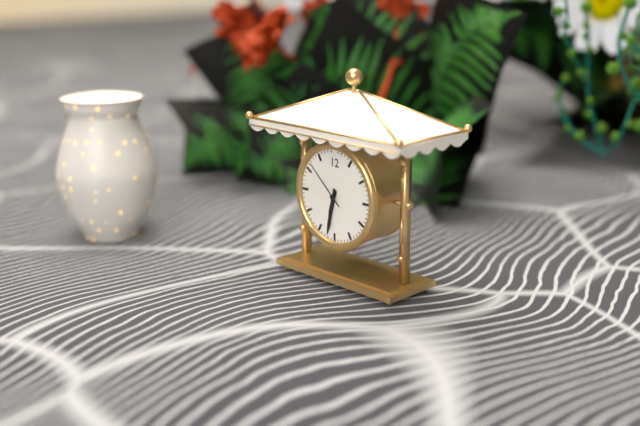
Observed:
{"hour": 6, "minute": 32, "second": 52}
